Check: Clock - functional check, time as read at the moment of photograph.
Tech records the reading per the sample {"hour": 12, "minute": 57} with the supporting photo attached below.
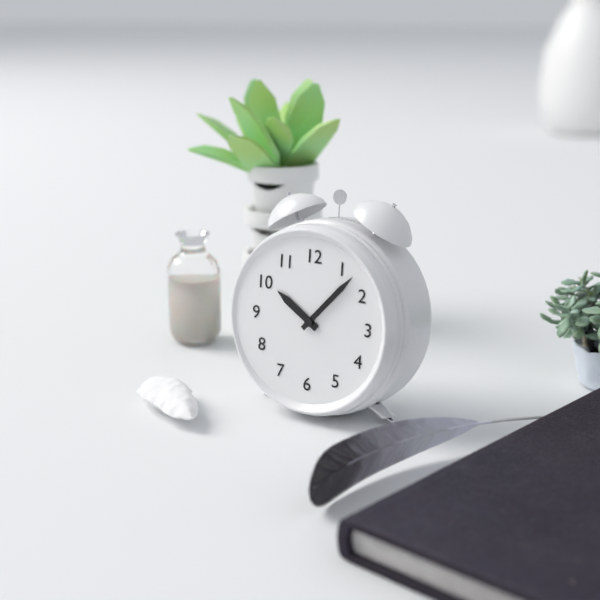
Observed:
{"hour": 10, "minute": 7}
